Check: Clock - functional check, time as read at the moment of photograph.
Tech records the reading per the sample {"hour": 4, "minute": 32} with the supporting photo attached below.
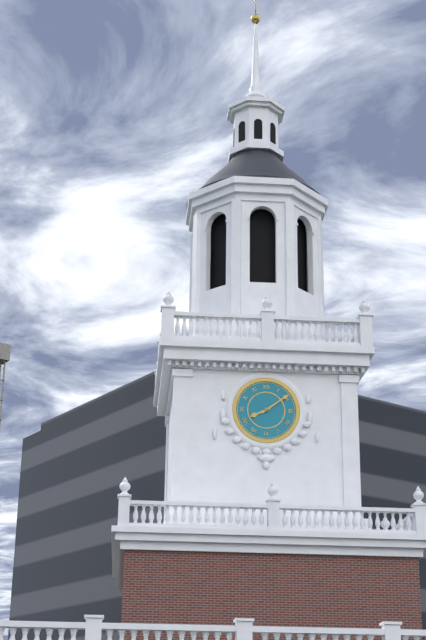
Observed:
{"hour": 8, "minute": 9}
